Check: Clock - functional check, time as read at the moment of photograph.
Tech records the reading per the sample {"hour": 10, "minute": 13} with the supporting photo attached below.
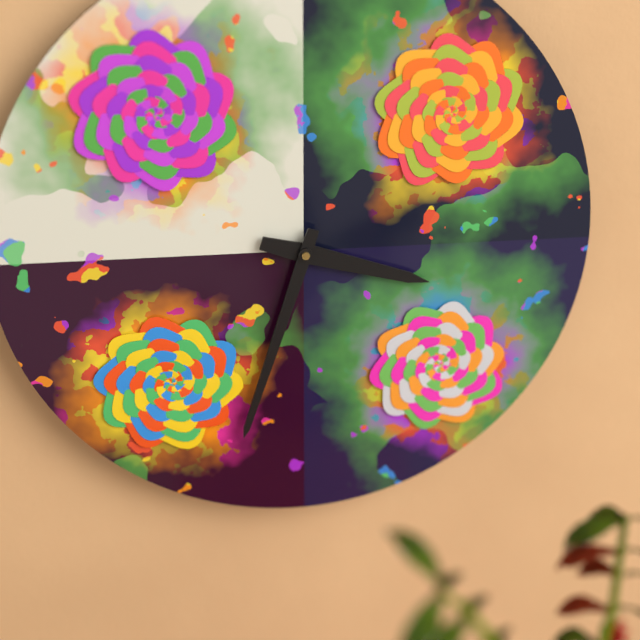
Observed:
{"hour": 3, "minute": 33}
